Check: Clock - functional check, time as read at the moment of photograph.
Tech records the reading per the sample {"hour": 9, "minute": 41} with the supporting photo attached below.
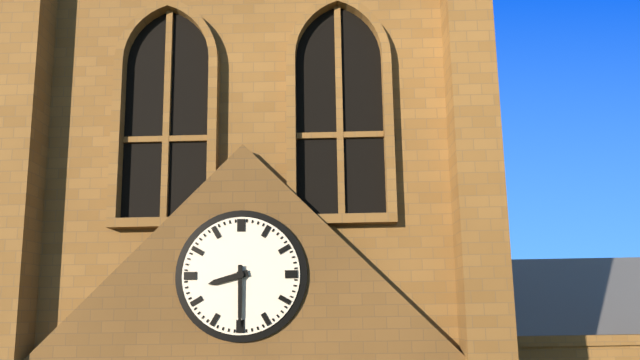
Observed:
{"hour": 8, "minute": 30}
